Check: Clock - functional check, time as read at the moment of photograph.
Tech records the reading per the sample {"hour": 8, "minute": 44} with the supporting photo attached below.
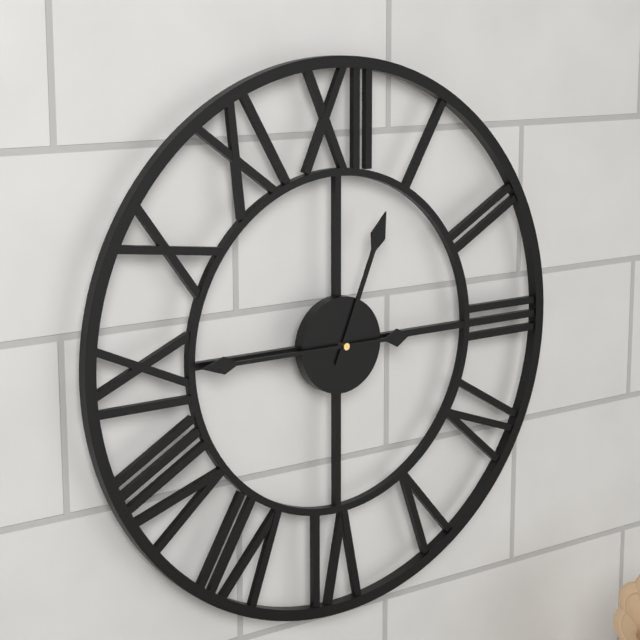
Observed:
{"hour": 12, "minute": 45}
